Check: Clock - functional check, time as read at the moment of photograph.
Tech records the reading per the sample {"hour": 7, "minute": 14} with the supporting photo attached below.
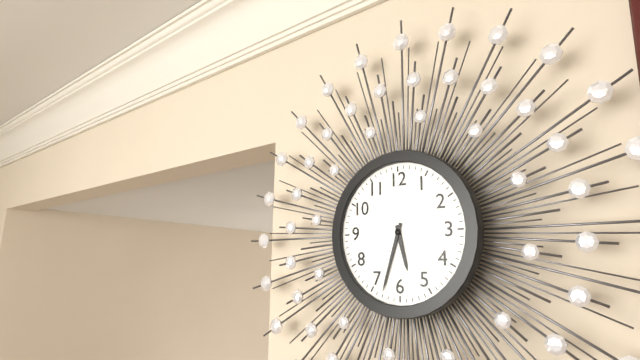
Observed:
{"hour": 5, "minute": 33}
